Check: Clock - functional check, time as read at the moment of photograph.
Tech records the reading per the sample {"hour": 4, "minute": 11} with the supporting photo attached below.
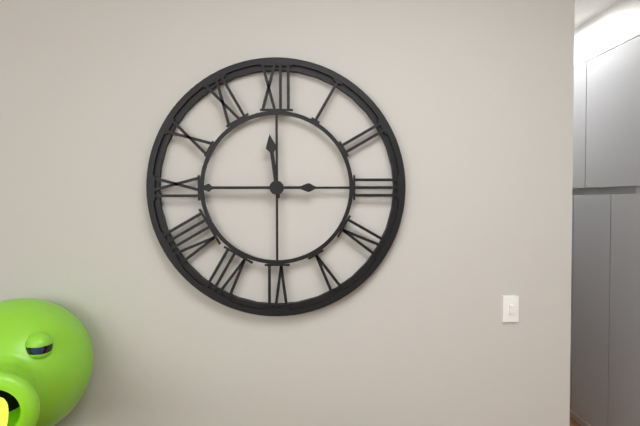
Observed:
{"hour": 11, "minute": 45}
